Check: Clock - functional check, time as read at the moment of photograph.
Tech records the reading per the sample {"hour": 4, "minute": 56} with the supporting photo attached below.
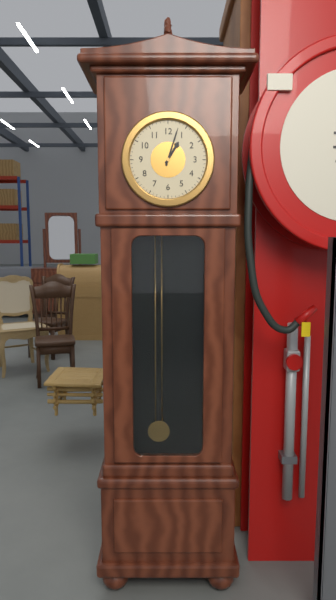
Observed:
{"hour": 1, "minute": 3}
